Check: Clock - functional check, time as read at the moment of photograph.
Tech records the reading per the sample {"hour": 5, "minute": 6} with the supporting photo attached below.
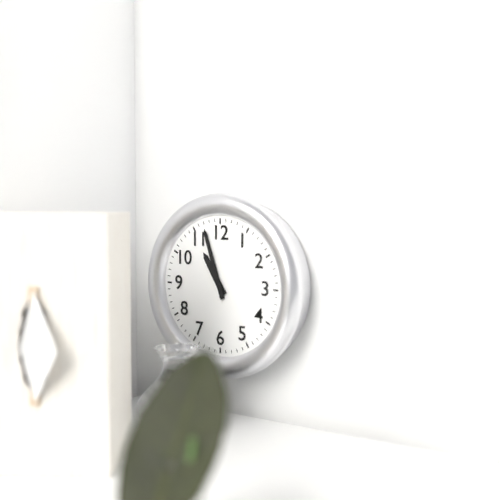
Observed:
{"hour": 10, "minute": 57}
